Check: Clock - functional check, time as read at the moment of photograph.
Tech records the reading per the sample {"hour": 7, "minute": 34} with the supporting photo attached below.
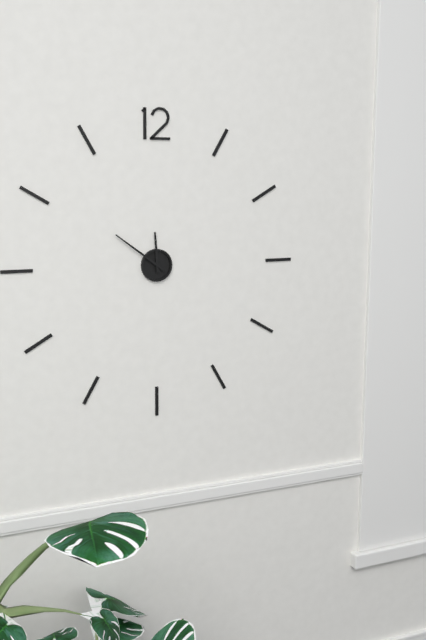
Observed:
{"hour": 11, "minute": 51}
